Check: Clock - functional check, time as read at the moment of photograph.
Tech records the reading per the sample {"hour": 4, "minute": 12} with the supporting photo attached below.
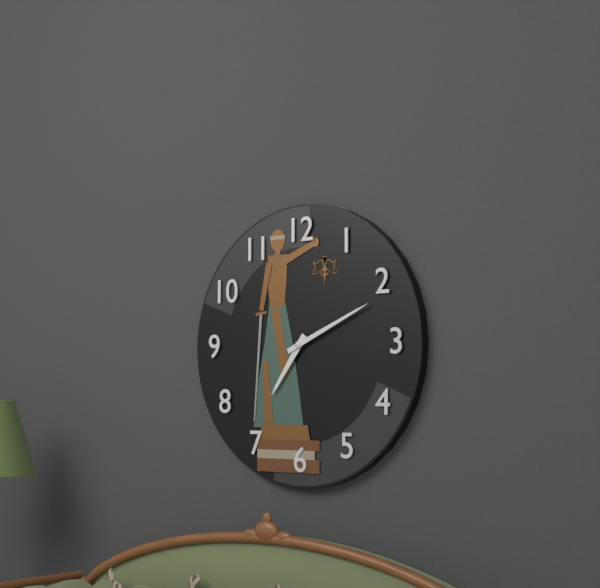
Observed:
{"hour": 7, "minute": 11}
